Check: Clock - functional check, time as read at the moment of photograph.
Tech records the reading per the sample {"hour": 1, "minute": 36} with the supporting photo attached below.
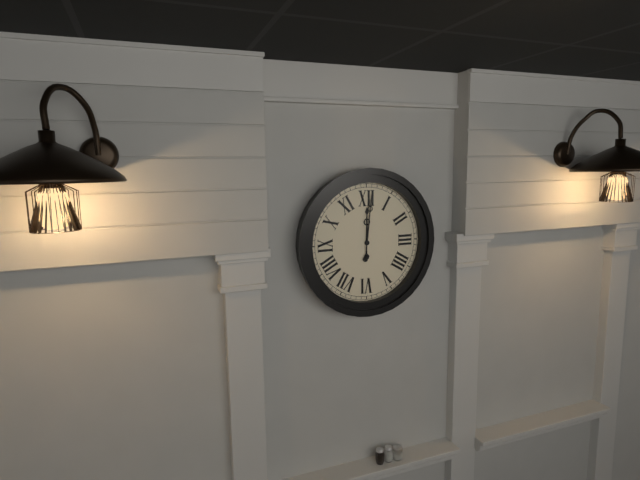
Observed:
{"hour": 12, "minute": 1}
